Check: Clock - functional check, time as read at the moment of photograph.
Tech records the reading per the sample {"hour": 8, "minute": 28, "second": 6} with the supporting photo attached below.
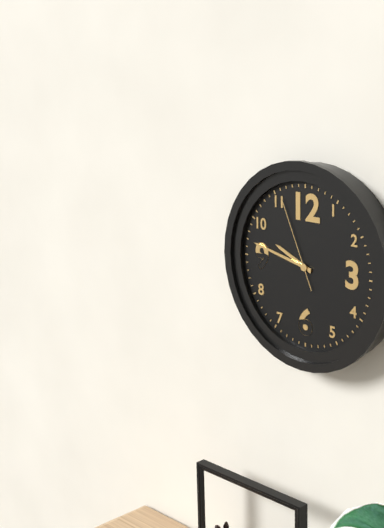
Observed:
{"hour": 9, "minute": 47, "second": 56}
